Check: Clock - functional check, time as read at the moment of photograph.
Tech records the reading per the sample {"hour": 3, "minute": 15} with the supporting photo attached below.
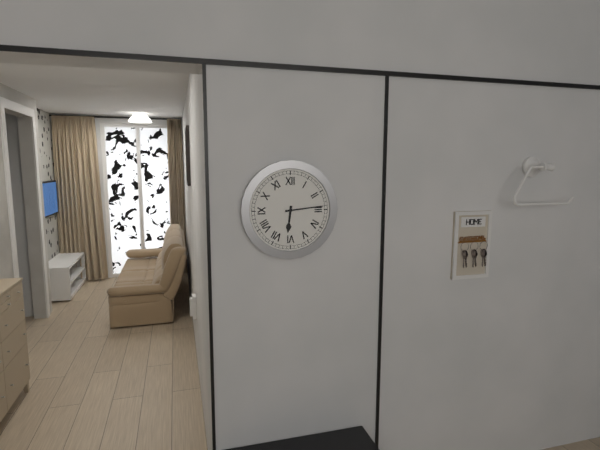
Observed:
{"hour": 6, "minute": 14}
